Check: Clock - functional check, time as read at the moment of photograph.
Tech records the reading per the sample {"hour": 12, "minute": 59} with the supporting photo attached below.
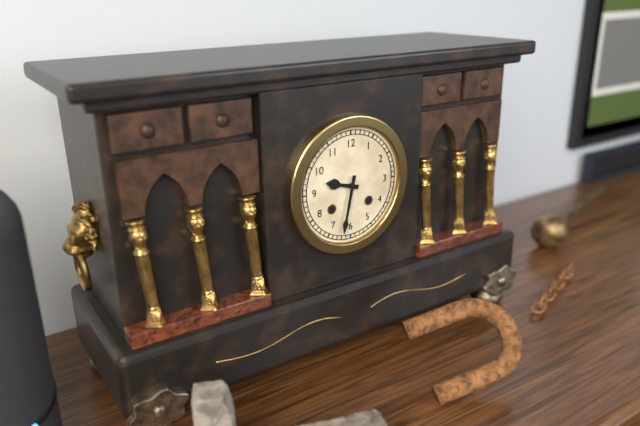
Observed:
{"hour": 9, "minute": 32}
